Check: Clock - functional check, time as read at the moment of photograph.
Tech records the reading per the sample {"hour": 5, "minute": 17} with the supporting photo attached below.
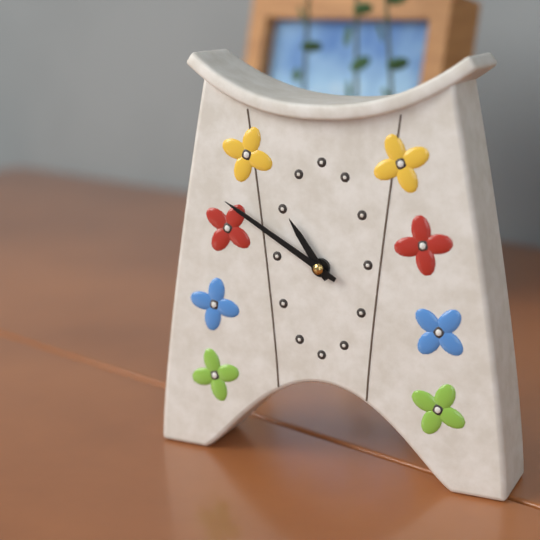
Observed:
{"hour": 10, "minute": 50}
